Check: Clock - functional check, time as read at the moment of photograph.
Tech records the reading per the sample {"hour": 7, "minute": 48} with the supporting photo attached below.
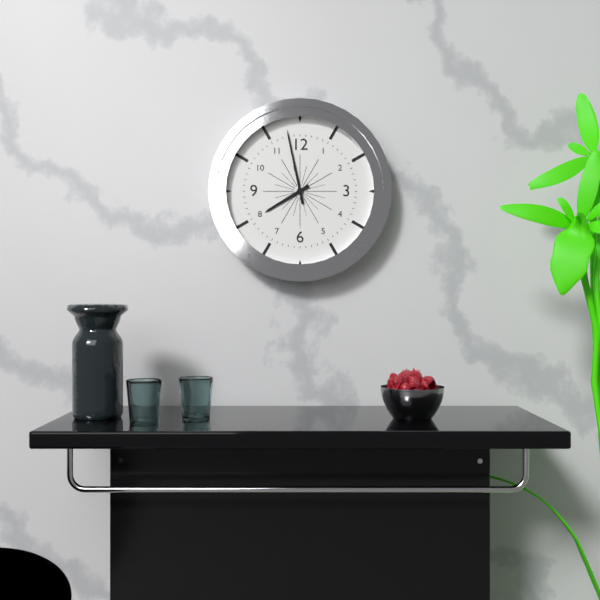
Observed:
{"hour": 7, "minute": 58}
